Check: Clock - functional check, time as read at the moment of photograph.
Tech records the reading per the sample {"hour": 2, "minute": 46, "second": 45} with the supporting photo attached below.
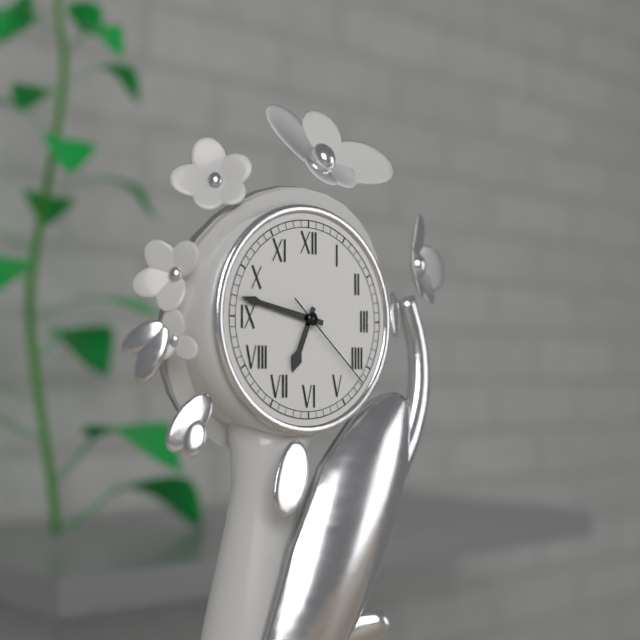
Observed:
{"hour": 6, "minute": 47, "second": 22}
